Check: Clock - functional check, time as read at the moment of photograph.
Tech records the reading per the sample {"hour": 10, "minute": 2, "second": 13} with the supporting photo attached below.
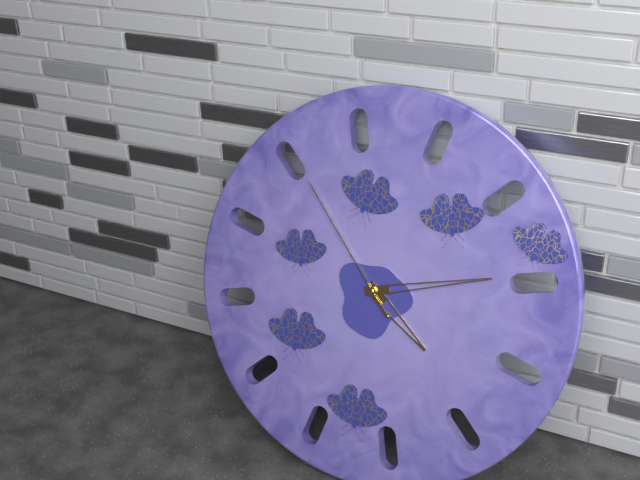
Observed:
{"hour": 4, "minute": 12, "second": 53}
